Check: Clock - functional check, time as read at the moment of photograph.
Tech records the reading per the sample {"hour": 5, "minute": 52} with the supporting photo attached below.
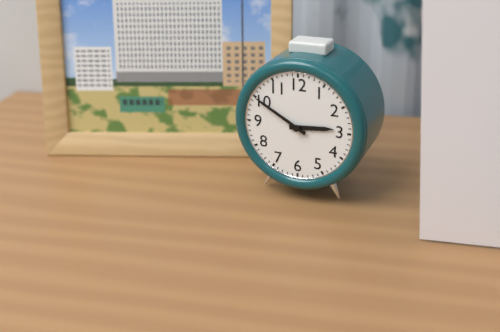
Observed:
{"hour": 2, "minute": 50}
